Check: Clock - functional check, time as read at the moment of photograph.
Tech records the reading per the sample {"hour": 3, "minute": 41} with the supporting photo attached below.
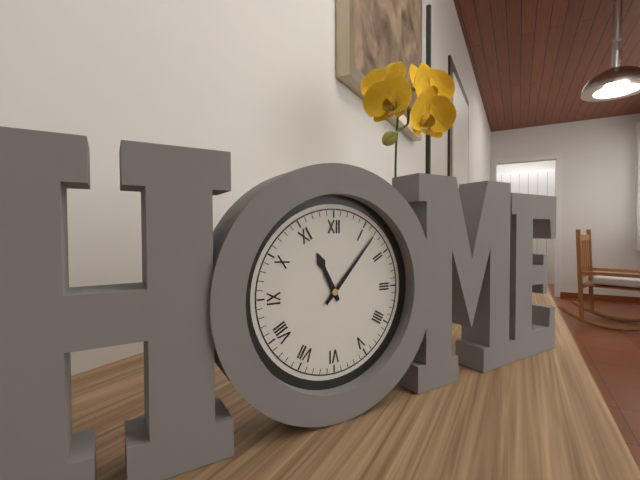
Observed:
{"hour": 11, "minute": 7}
